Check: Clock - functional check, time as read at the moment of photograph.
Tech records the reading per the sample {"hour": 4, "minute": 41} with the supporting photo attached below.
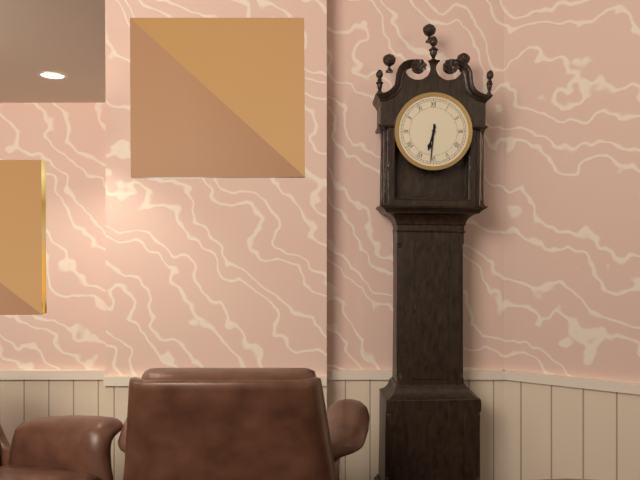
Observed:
{"hour": 6, "minute": 31}
